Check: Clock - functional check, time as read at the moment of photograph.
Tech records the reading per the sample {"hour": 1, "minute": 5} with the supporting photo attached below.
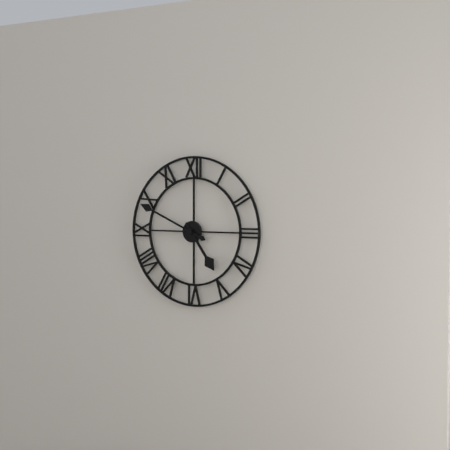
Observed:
{"hour": 4, "minute": 49}
